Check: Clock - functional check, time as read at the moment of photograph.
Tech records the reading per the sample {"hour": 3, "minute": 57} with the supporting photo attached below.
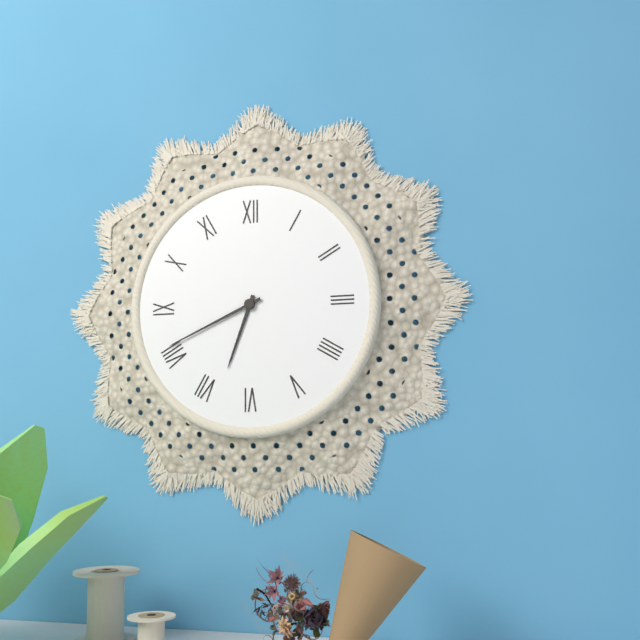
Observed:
{"hour": 6, "minute": 41}
